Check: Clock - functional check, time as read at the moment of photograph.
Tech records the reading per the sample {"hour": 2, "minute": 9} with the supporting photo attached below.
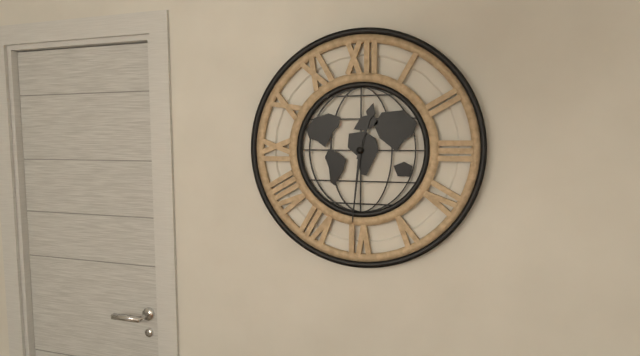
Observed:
{"hour": 12, "minute": 31}
